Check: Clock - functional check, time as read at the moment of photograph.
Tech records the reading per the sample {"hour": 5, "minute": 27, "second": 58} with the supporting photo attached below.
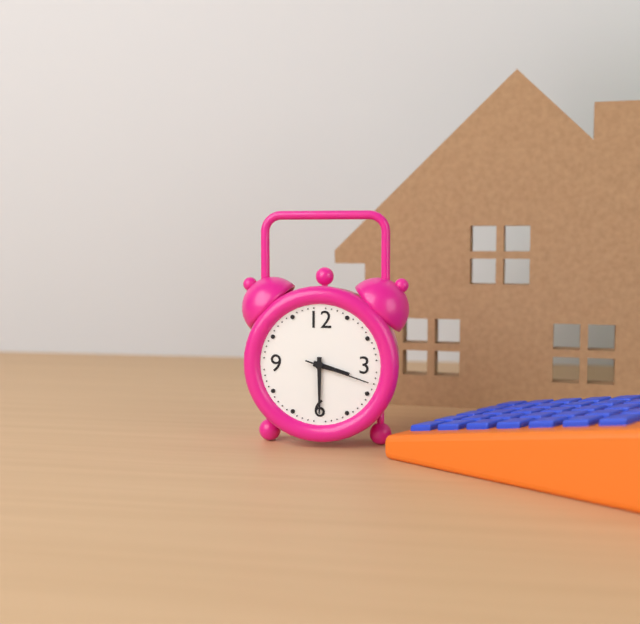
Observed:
{"hour": 3, "minute": 30, "second": 18}
